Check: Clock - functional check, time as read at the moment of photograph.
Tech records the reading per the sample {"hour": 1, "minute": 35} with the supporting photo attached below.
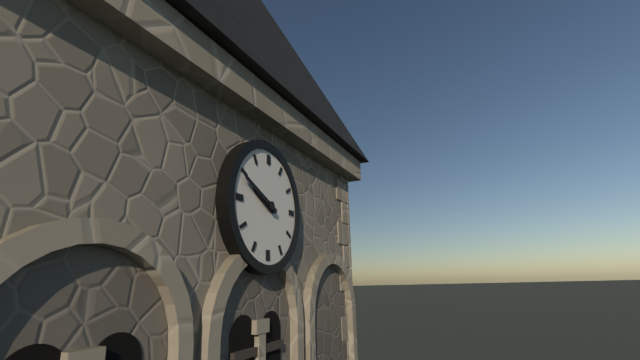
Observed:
{"hour": 9, "minute": 49}
